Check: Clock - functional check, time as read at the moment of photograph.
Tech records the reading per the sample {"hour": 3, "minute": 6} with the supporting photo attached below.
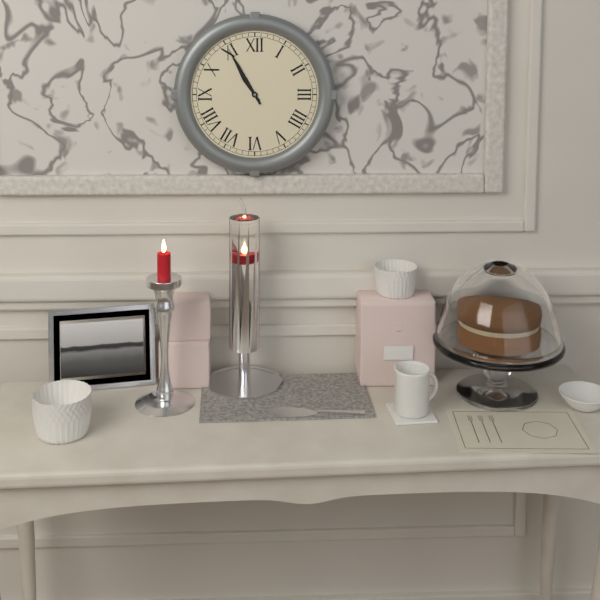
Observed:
{"hour": 10, "minute": 55}
